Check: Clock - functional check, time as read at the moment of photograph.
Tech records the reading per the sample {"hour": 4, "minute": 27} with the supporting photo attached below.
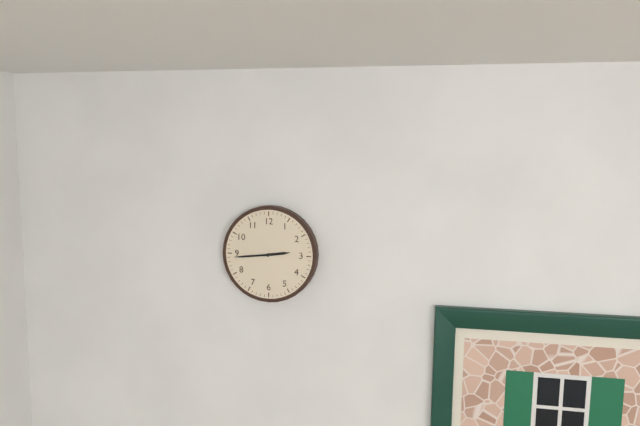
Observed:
{"hour": 2, "minute": 44}
